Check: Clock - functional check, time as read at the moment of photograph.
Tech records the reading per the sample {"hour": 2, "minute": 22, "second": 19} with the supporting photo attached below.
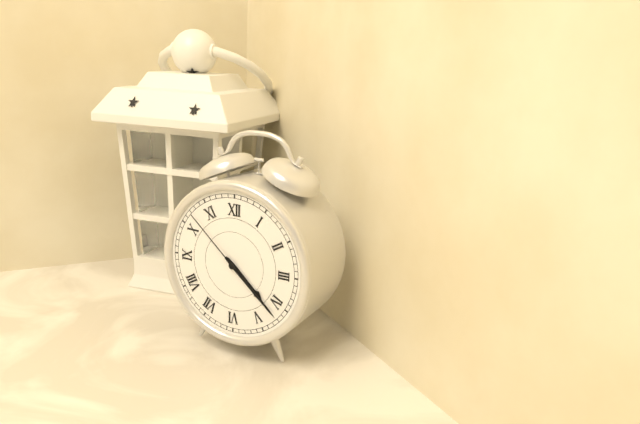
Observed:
{"hour": 4, "minute": 22, "second": 52}
